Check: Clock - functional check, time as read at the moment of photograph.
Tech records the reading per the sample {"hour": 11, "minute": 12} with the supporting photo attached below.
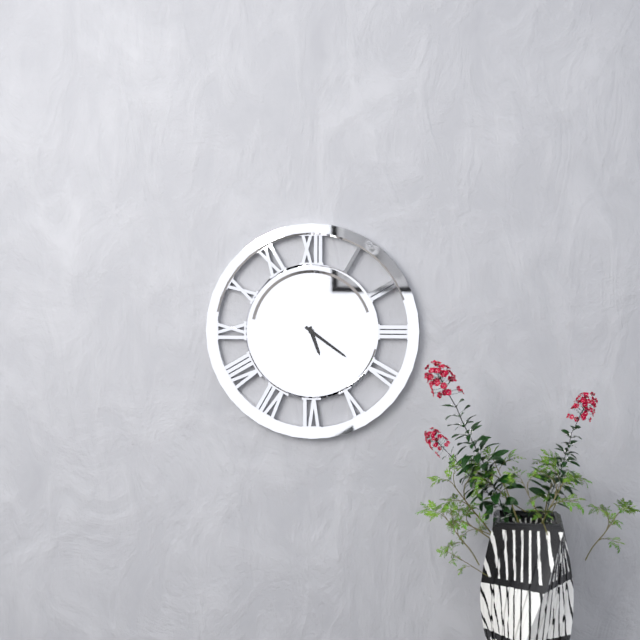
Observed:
{"hour": 5, "minute": 21}
